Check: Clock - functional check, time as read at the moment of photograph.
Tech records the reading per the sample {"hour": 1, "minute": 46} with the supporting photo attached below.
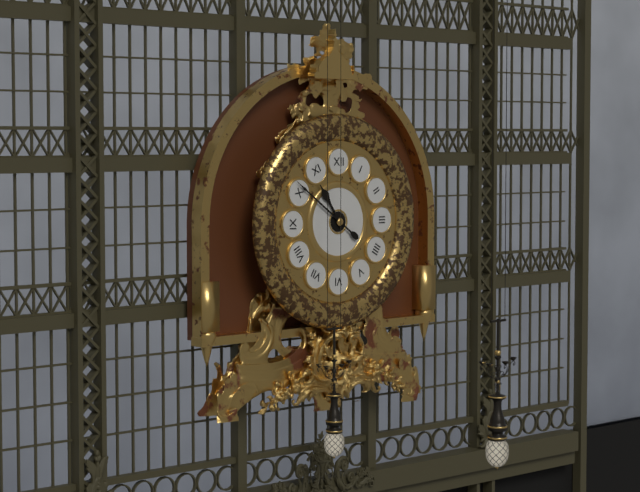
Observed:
{"hour": 10, "minute": 51}
